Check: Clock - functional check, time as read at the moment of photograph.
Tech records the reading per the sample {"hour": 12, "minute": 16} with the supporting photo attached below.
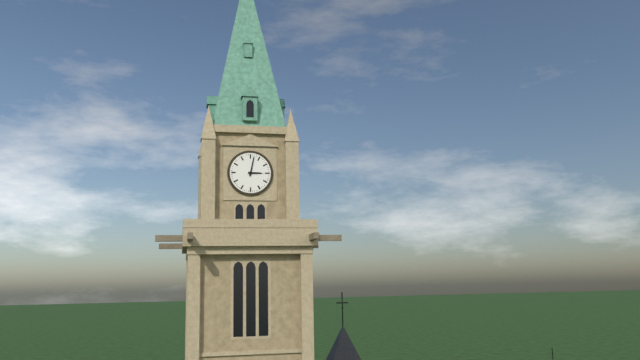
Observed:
{"hour": 3, "minute": 2}
